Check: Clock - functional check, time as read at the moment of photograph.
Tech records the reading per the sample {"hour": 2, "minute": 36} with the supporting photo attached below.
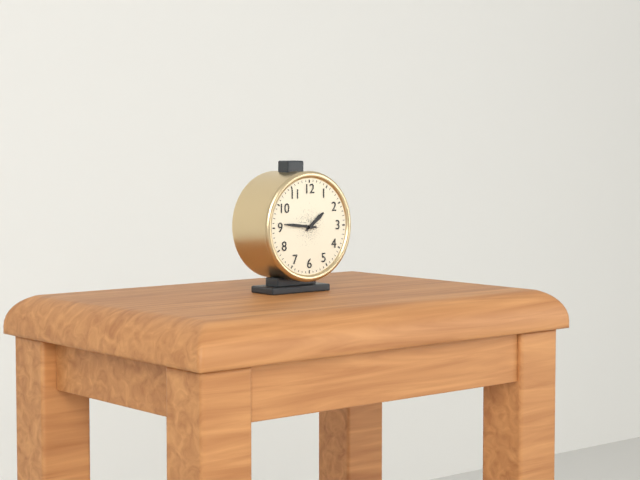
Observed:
{"hour": 1, "minute": 46}
